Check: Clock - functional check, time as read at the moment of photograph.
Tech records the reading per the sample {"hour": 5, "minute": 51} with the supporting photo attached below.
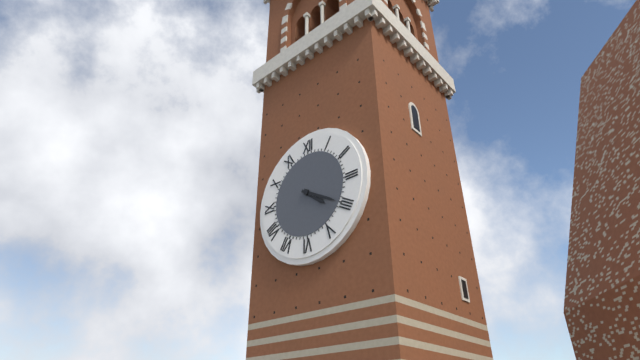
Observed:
{"hour": 4, "minute": 20}
